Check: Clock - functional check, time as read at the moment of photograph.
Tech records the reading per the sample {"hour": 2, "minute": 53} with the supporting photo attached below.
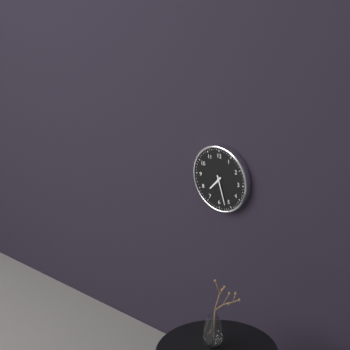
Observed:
{"hour": 7, "minute": 27}
